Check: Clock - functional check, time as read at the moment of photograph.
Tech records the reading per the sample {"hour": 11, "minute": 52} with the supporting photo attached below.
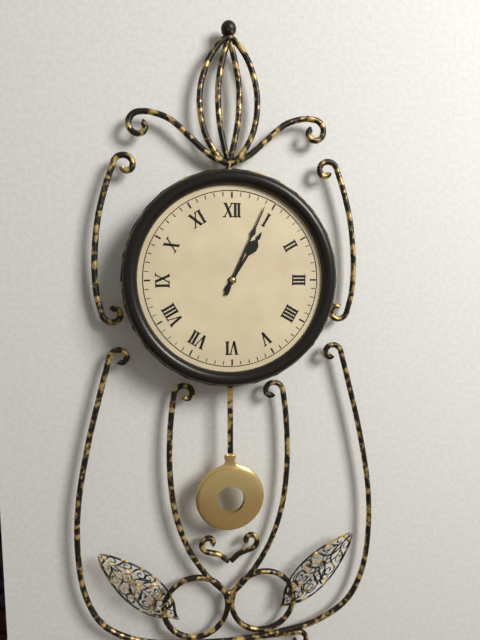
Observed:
{"hour": 1, "minute": 4}
